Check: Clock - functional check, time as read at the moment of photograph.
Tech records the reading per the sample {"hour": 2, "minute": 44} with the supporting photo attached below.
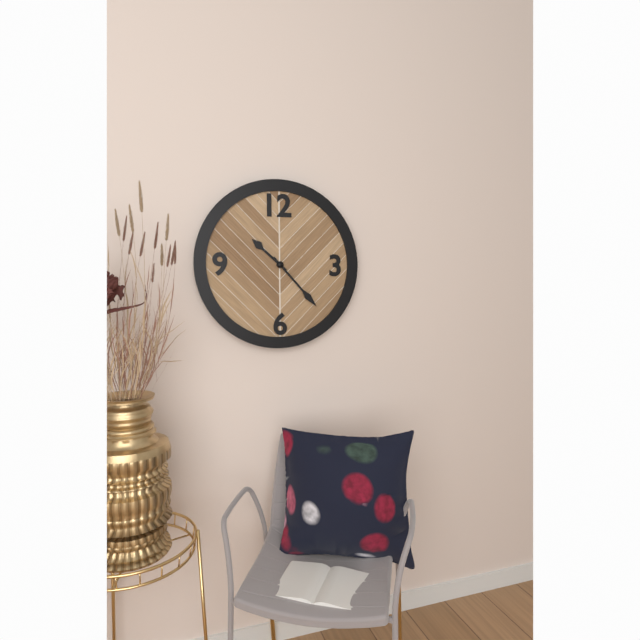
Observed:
{"hour": 10, "minute": 23}
